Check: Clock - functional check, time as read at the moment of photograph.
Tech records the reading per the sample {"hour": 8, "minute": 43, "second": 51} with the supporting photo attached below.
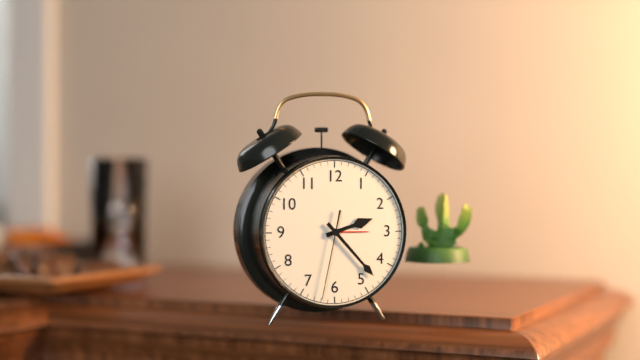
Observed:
{"hour": 2, "minute": 23, "second": 32}
